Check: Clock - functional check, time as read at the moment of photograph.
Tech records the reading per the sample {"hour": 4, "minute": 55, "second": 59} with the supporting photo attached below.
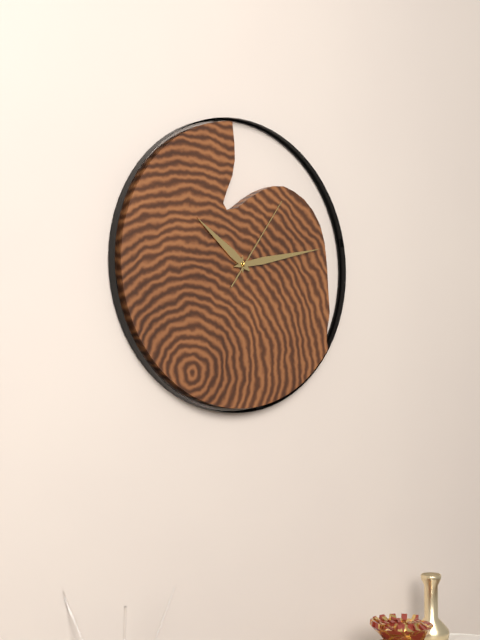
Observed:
{"hour": 10, "minute": 13, "second": 6}
